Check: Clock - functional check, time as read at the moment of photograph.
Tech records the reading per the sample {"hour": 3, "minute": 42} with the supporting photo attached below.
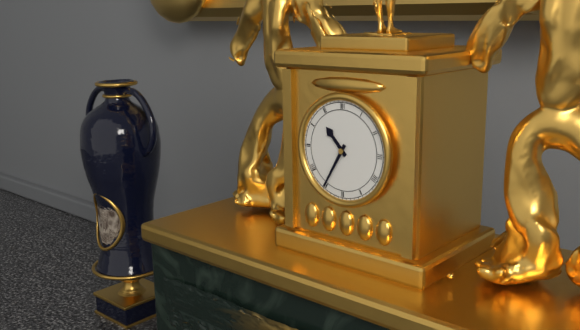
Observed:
{"hour": 10, "minute": 35}
